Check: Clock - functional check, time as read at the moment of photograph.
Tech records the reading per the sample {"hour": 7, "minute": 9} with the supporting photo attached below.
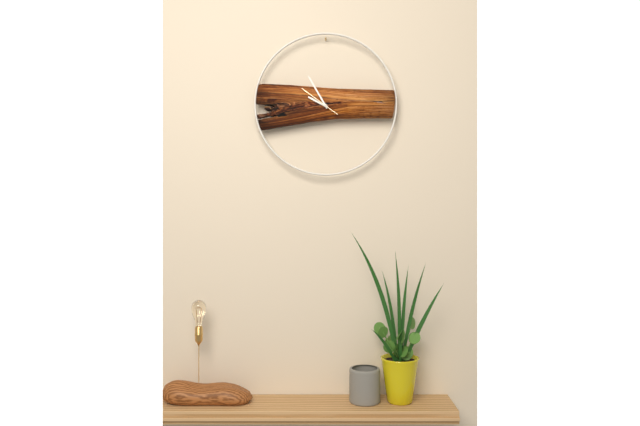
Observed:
{"hour": 9, "minute": 55}
